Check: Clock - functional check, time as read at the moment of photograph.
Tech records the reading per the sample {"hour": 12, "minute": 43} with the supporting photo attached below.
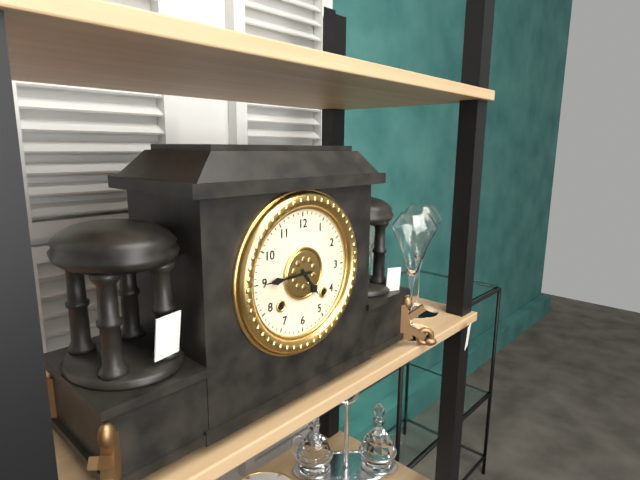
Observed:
{"hour": 4, "minute": 45}
